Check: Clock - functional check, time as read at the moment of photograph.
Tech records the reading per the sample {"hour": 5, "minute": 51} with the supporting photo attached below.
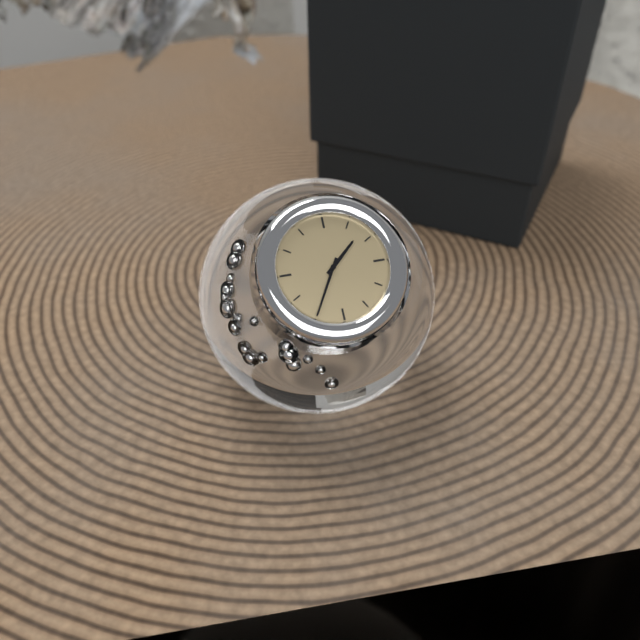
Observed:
{"hour": 1, "minute": 35}
